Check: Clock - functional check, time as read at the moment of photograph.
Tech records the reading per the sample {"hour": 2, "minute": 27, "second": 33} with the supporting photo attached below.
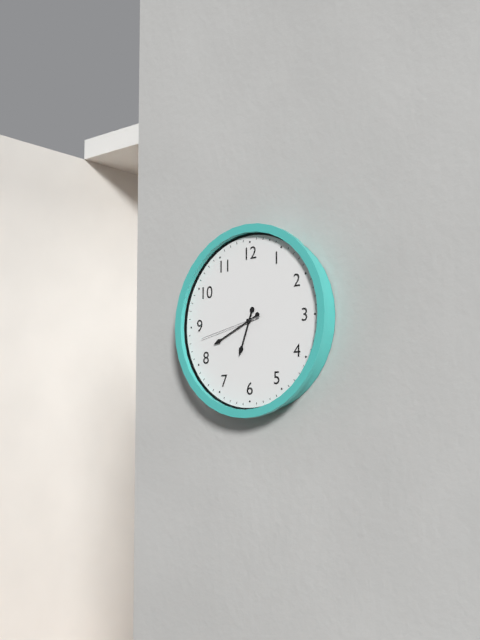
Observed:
{"hour": 6, "minute": 41, "second": 43}
